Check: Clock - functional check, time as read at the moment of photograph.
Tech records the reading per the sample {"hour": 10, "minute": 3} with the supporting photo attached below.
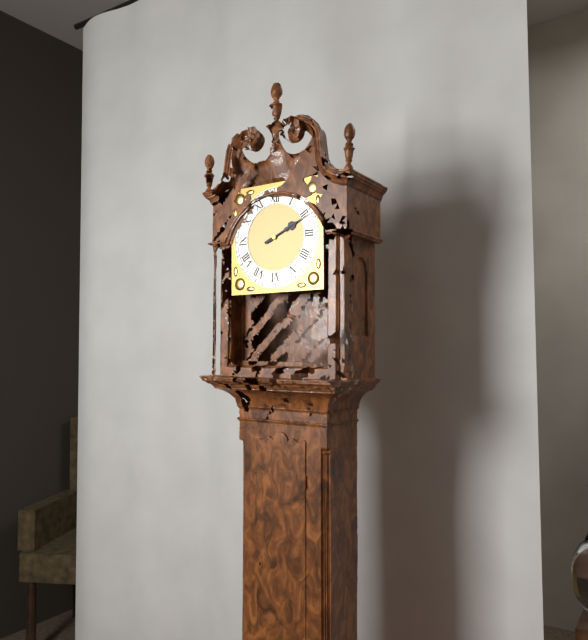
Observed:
{"hour": 2, "minute": 11}
